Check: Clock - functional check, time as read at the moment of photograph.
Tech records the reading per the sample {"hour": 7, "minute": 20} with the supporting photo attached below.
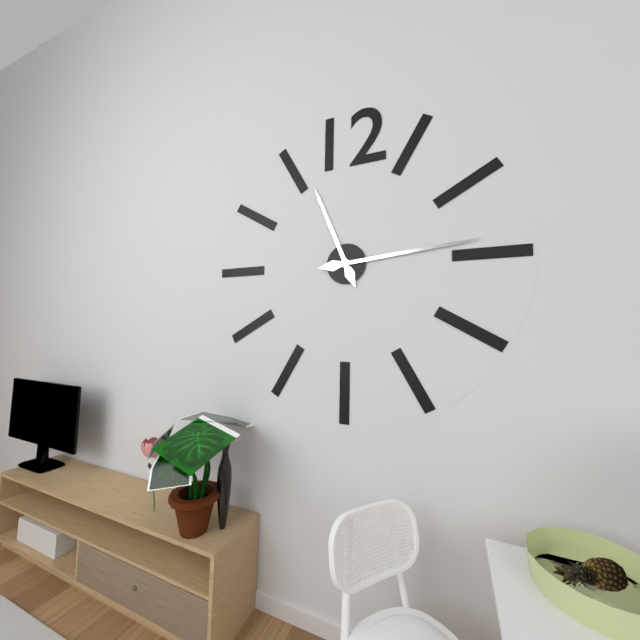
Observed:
{"hour": 11, "minute": 14}
